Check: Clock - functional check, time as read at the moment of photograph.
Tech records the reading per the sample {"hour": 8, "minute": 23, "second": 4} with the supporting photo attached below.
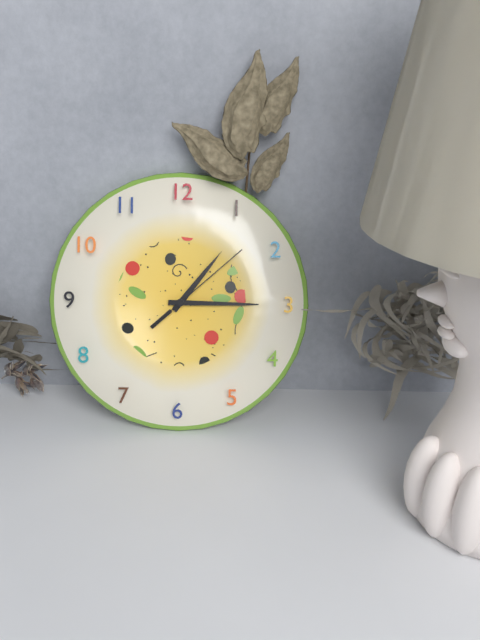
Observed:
{"hour": 1, "minute": 15, "second": 8}
